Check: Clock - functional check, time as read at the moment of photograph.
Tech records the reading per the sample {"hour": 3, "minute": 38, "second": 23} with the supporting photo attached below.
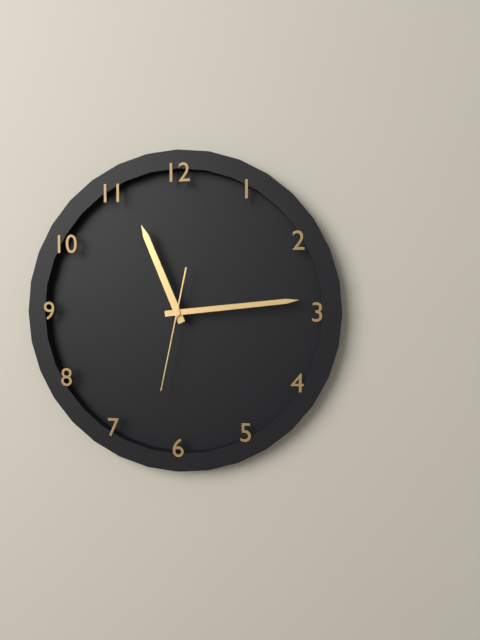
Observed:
{"hour": 11, "minute": 14, "second": 32}
